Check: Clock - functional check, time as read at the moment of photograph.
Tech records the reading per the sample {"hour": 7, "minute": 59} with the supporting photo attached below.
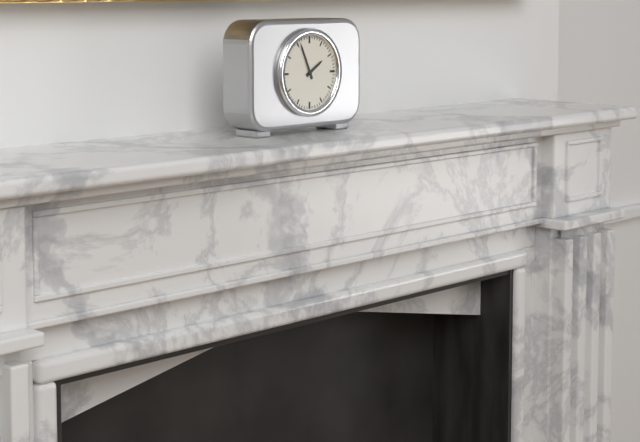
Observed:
{"hour": 1, "minute": 56}
